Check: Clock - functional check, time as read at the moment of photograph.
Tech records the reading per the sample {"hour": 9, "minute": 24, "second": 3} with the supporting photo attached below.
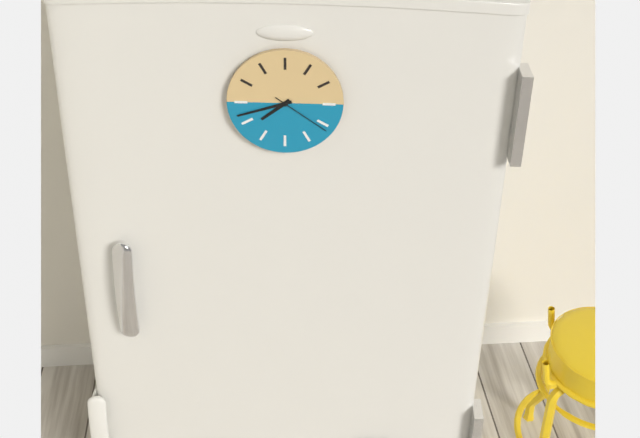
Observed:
{"hour": 7, "minute": 42, "second": 21}
